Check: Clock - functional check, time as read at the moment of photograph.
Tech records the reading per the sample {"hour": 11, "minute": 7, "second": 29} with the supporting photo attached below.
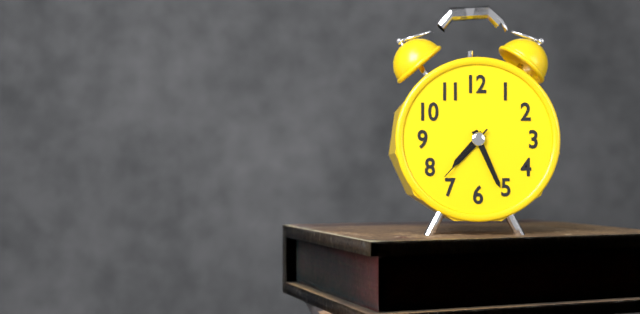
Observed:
{"hour": 7, "minute": 26, "second": 37}
